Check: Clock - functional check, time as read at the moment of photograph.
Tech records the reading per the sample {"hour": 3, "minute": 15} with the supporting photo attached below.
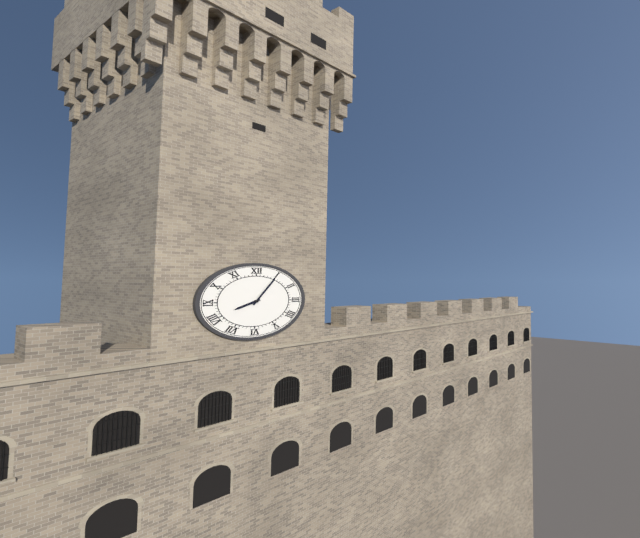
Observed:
{"hour": 8, "minute": 5}
